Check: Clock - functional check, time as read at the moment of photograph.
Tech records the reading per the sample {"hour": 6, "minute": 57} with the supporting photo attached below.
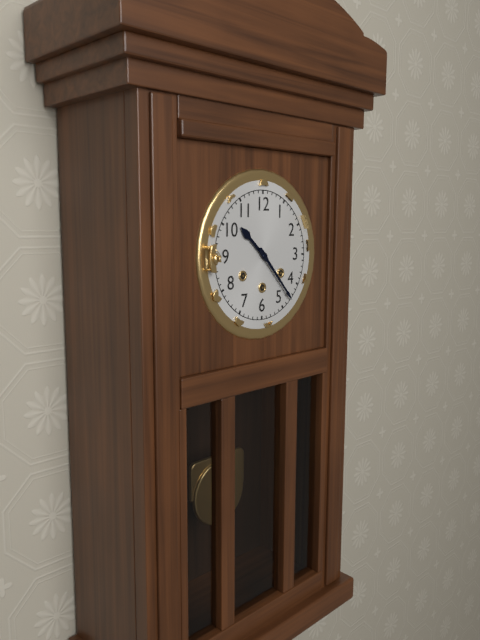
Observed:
{"hour": 10, "minute": 23}
